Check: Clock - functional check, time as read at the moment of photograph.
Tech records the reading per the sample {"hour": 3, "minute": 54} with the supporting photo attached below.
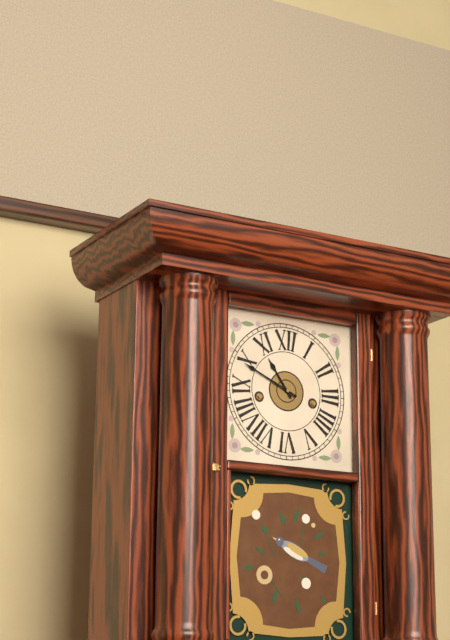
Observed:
{"hour": 10, "minute": 49}
